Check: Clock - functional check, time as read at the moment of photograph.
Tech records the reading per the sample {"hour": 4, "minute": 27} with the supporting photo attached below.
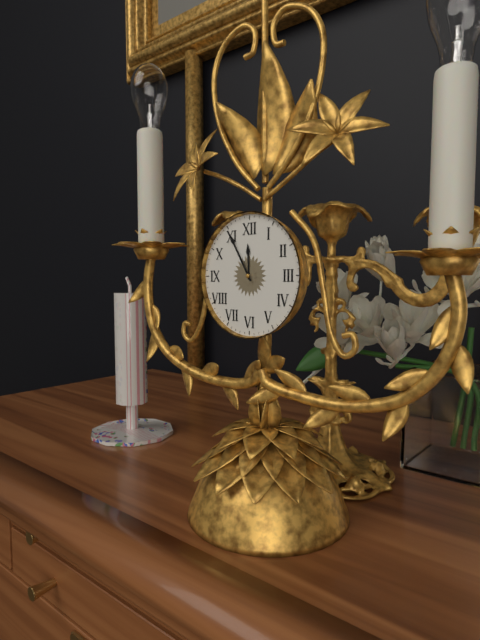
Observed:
{"hour": 11, "minute": 55}
